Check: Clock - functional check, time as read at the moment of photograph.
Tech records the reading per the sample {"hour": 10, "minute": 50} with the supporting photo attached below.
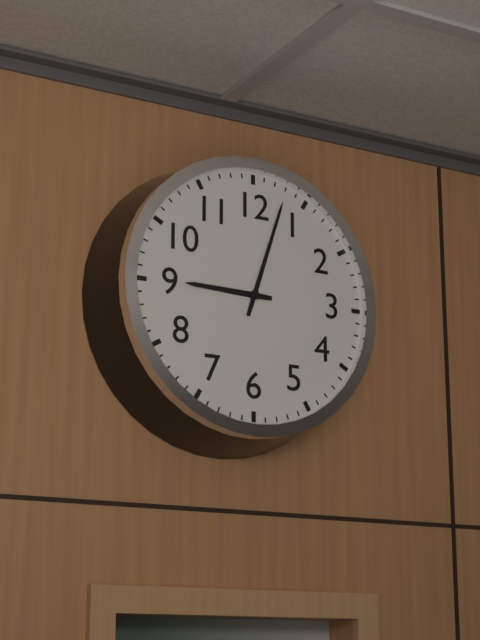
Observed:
{"hour": 9, "minute": 3}
